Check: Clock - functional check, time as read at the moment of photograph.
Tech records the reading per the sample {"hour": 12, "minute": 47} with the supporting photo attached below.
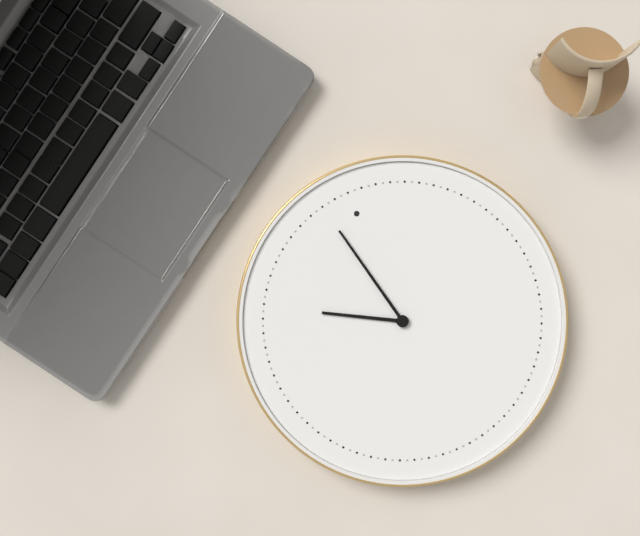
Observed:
{"hour": 9, "minute": 58}
